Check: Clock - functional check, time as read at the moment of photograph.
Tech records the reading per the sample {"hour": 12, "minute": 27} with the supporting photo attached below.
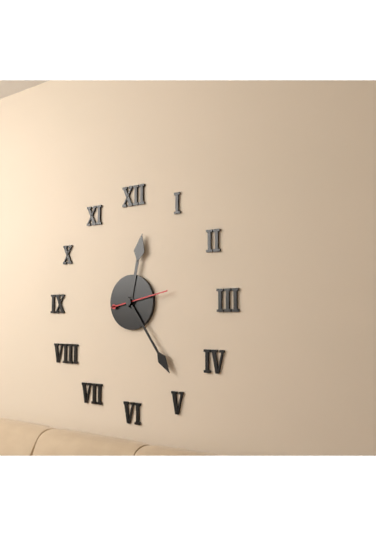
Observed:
{"hour": 12, "minute": 24}
